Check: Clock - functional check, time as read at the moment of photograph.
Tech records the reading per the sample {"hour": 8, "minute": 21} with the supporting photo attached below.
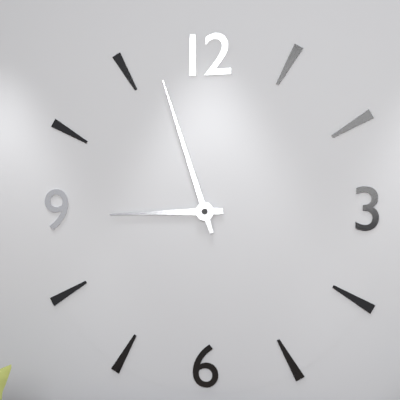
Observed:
{"hour": 8, "minute": 57}
